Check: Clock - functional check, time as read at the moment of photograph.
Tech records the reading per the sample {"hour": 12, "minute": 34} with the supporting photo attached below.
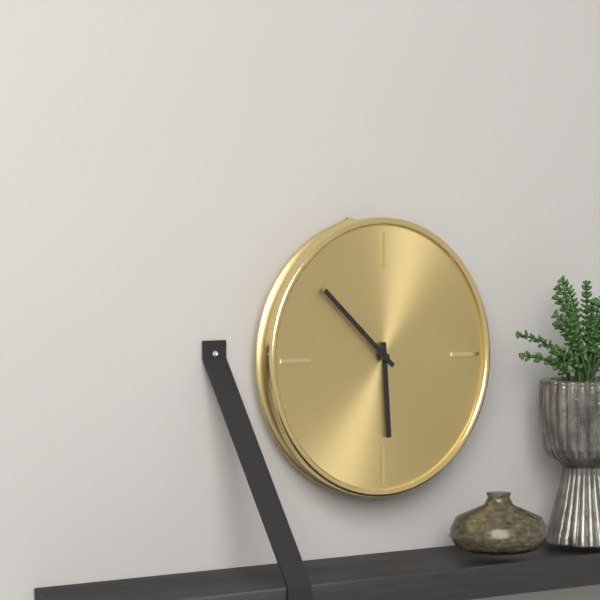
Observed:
{"hour": 5, "minute": 52}
